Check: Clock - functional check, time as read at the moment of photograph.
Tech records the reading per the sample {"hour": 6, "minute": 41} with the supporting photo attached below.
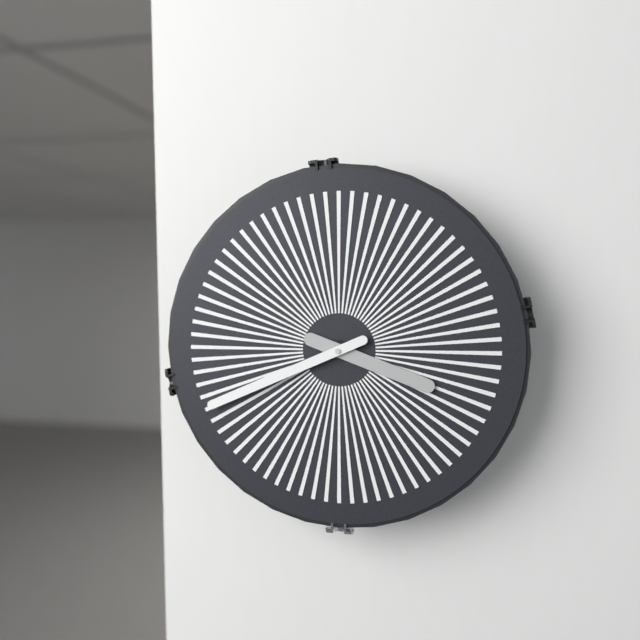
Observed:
{"hour": 3, "minute": 41}
